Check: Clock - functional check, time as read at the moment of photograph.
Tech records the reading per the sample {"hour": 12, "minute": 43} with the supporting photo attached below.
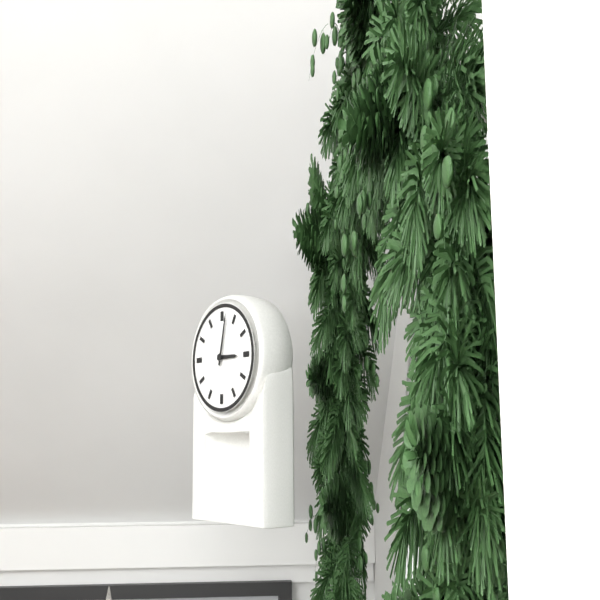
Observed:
{"hour": 3, "minute": 2}
